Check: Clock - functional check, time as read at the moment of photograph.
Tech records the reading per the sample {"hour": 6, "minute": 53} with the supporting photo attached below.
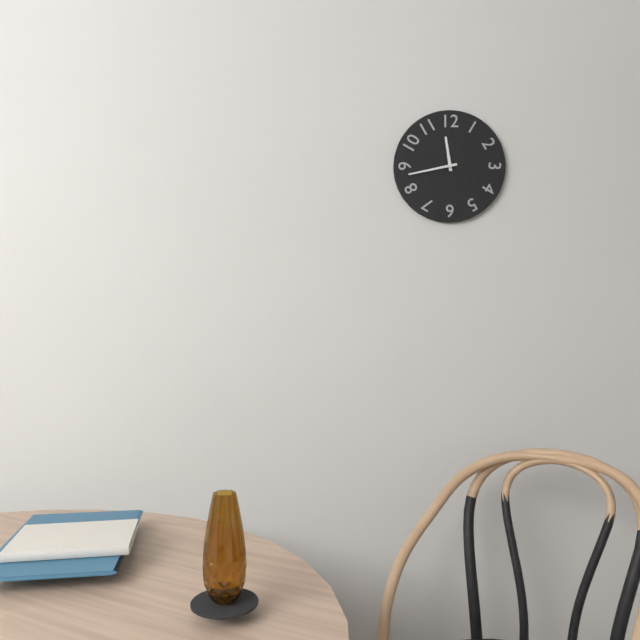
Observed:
{"hour": 11, "minute": 43}
